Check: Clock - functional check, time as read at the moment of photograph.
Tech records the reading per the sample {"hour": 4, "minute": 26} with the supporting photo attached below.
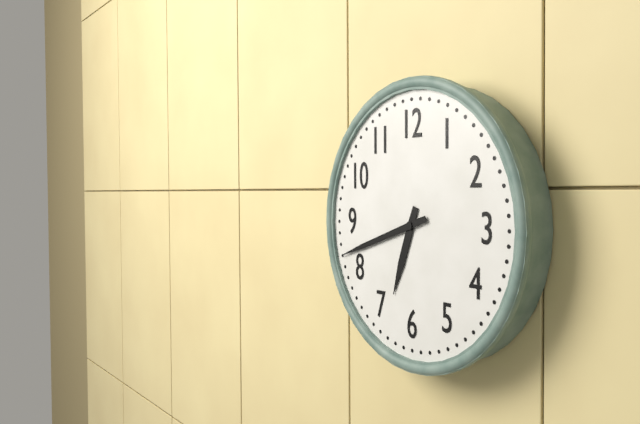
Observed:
{"hour": 6, "minute": 42}
